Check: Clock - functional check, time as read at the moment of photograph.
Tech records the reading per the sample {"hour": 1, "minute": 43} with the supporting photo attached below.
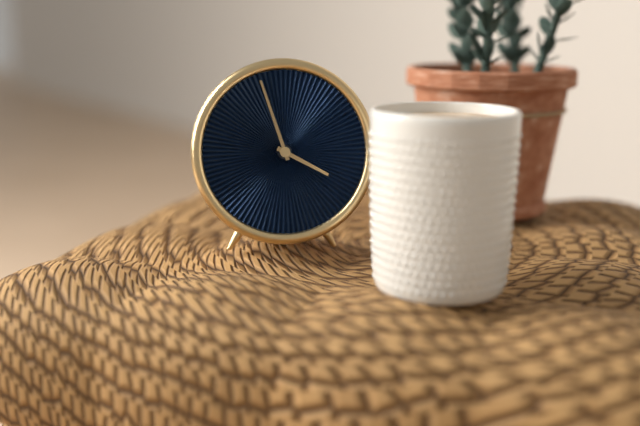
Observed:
{"hour": 3, "minute": 57}
